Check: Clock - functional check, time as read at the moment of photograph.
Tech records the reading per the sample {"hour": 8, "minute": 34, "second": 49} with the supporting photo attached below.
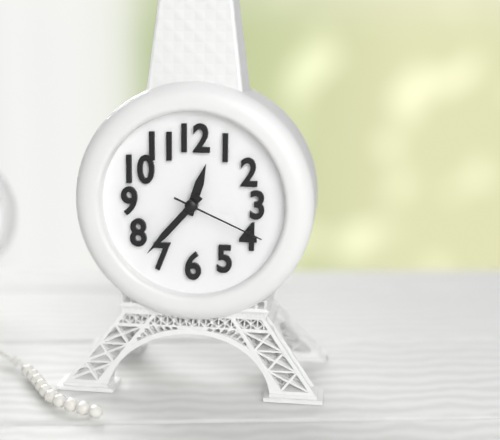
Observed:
{"hour": 12, "minute": 37, "second": 19}
